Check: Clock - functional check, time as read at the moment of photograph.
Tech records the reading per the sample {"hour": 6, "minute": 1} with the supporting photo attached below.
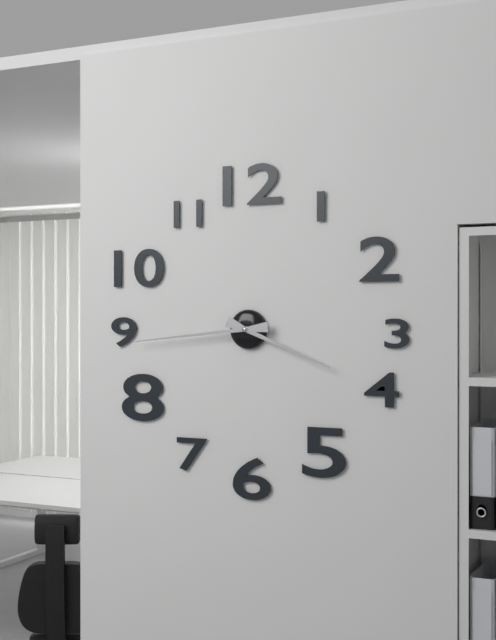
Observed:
{"hour": 3, "minute": 44}
